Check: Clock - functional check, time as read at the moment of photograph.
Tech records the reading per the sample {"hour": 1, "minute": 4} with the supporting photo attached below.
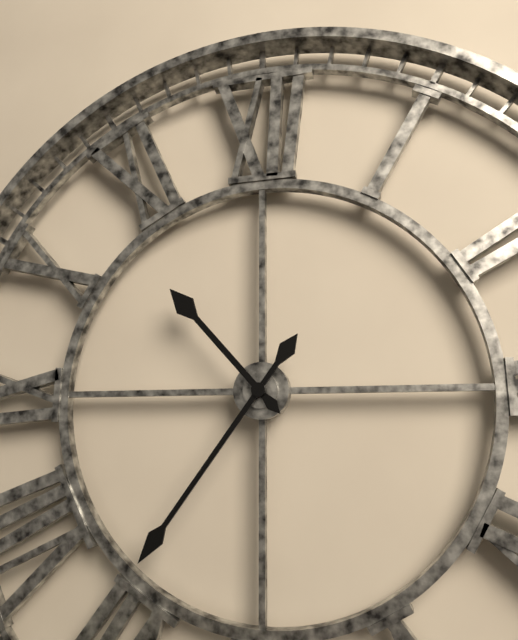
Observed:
{"hour": 10, "minute": 36}
